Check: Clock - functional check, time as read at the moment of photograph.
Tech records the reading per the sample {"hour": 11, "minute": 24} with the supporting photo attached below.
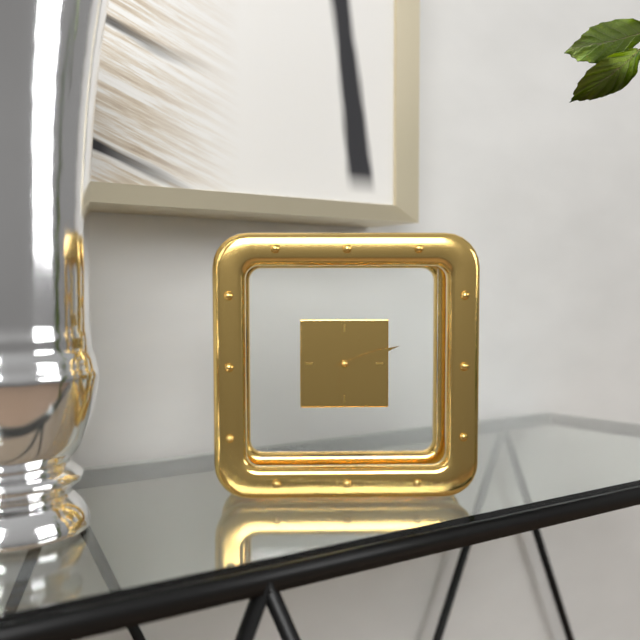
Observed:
{"hour": 6, "minute": 12}
